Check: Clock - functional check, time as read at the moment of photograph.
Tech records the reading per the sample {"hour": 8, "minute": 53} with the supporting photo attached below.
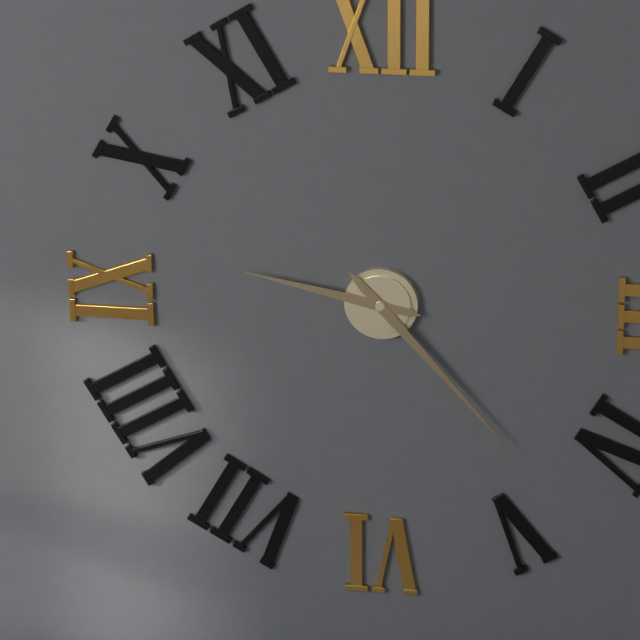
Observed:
{"hour": 9, "minute": 23}
